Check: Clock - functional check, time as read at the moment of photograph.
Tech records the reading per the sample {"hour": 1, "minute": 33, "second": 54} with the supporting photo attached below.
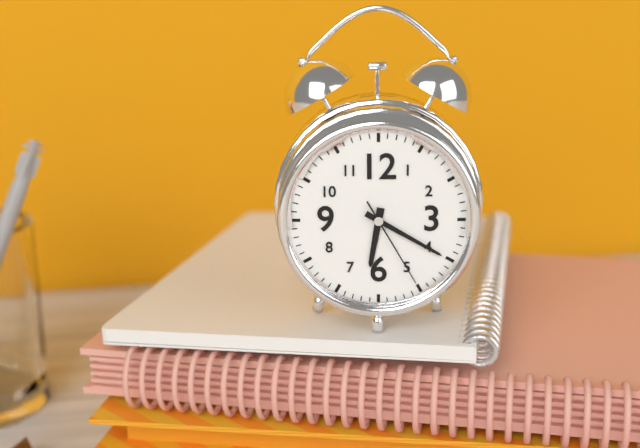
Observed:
{"hour": 6, "minute": 20, "second": 25}
